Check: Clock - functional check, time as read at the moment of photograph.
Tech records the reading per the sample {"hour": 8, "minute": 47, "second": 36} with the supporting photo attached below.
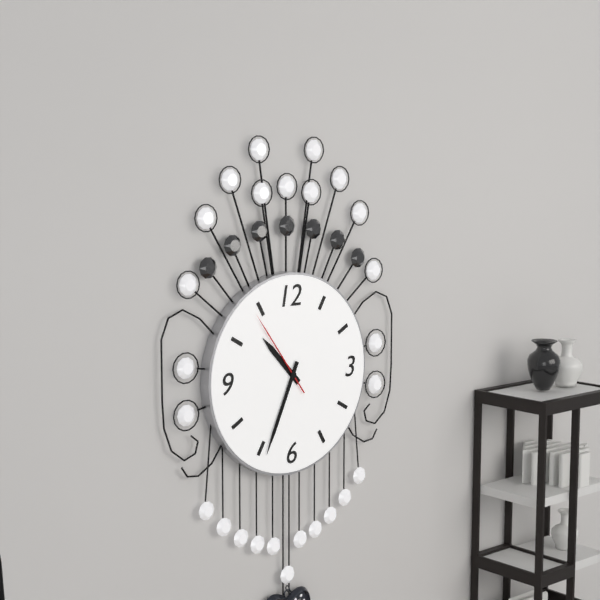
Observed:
{"hour": 10, "minute": 34, "second": 54}
